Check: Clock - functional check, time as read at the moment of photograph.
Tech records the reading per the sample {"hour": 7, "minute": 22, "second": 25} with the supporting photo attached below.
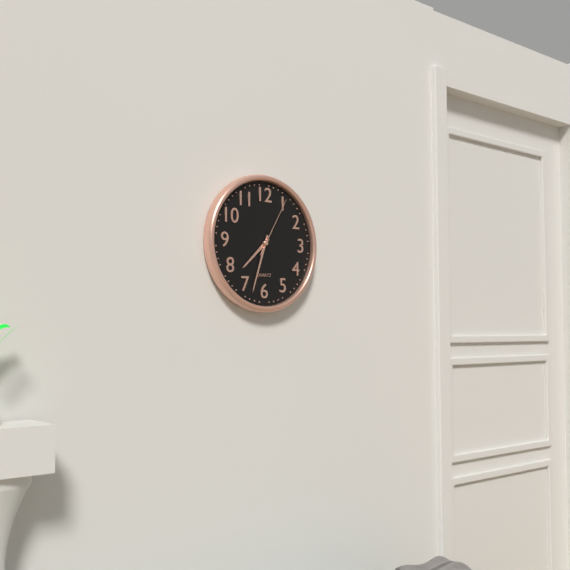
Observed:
{"hour": 7, "minute": 33, "second": 5}
